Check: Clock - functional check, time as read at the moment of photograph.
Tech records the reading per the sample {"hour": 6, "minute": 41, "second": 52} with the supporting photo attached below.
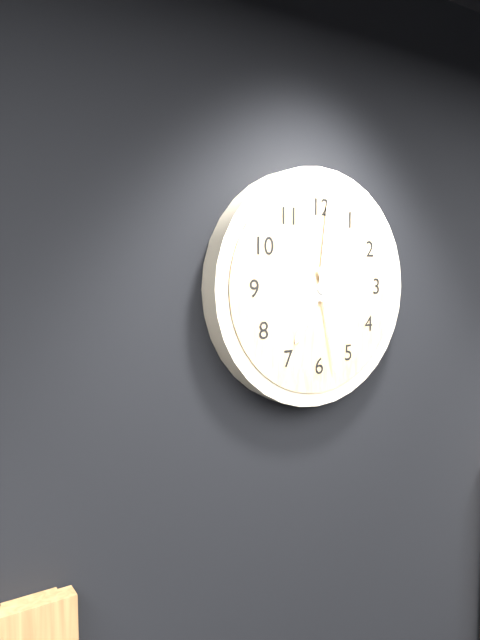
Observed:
{"hour": 7, "minute": 1, "second": 28}
